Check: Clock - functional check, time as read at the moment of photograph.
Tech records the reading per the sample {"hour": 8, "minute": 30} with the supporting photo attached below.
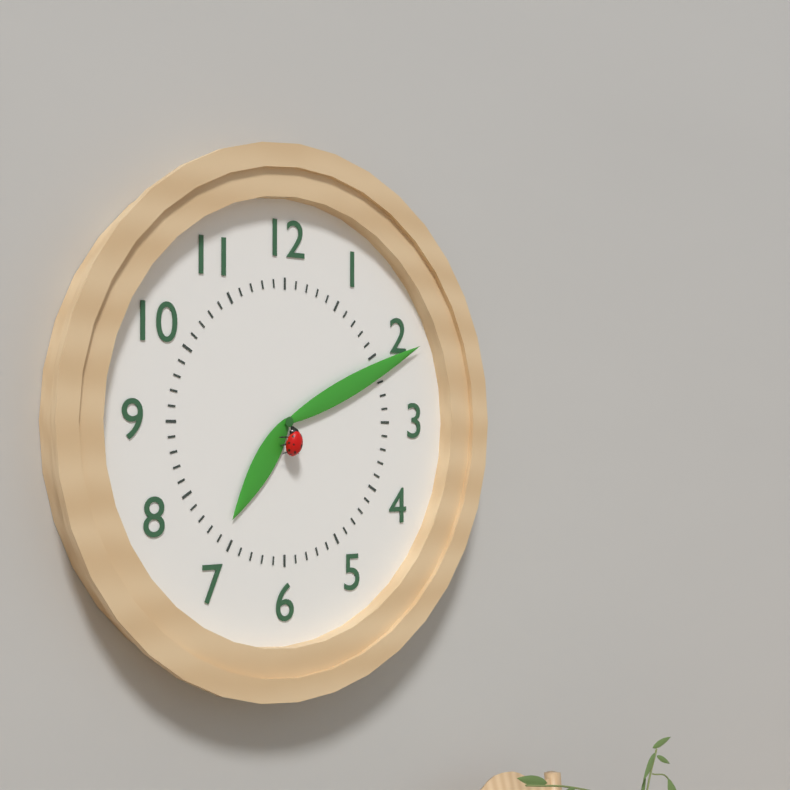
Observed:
{"hour": 7, "minute": 11}
